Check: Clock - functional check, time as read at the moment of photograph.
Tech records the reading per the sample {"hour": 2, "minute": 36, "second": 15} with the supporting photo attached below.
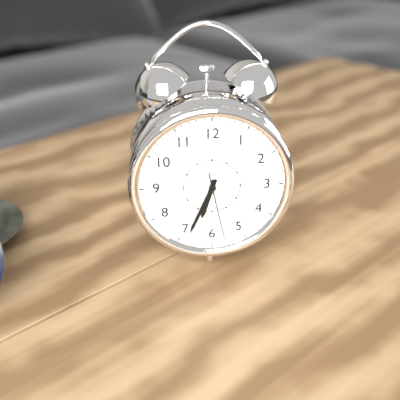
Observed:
{"hour": 6, "minute": 34, "second": 28}
